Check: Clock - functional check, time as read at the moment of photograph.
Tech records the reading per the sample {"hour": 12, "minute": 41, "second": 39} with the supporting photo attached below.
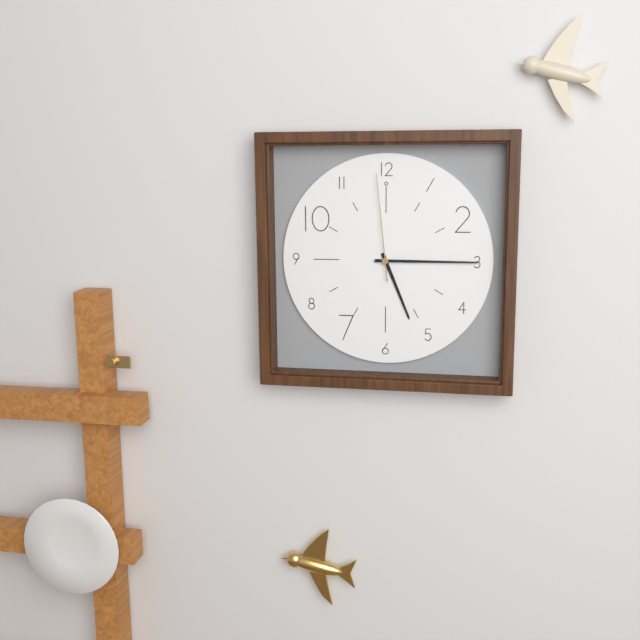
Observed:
{"hour": 5, "minute": 15, "second": 59}
